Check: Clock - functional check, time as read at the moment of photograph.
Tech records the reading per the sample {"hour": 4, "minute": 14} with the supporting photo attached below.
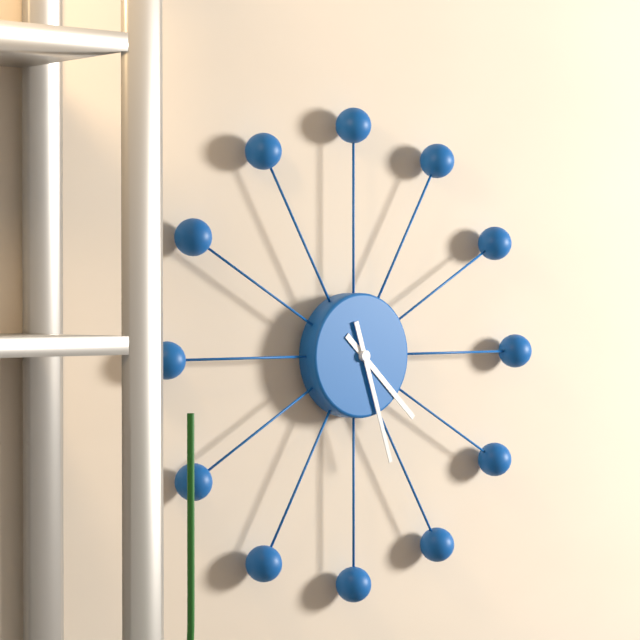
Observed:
{"hour": 4, "minute": 27}
